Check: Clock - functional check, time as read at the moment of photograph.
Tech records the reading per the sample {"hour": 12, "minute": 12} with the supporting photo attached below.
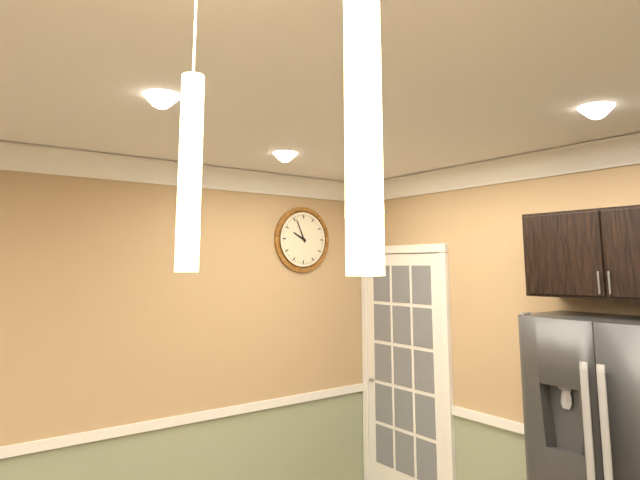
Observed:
{"hour": 9, "minute": 56}
